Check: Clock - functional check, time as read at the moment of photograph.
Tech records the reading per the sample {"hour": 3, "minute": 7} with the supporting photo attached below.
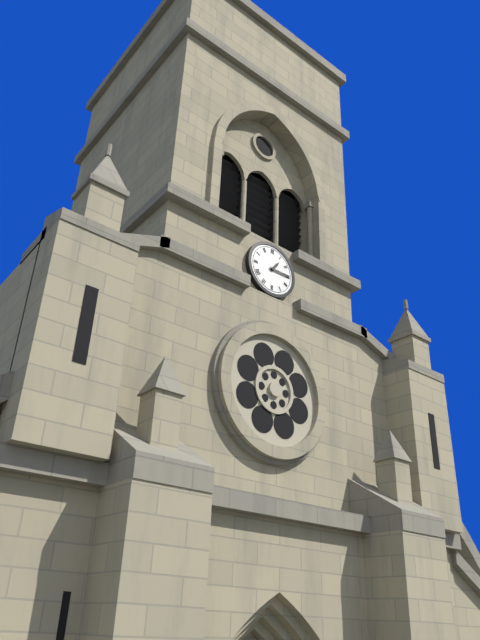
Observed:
{"hour": 1, "minute": 15}
